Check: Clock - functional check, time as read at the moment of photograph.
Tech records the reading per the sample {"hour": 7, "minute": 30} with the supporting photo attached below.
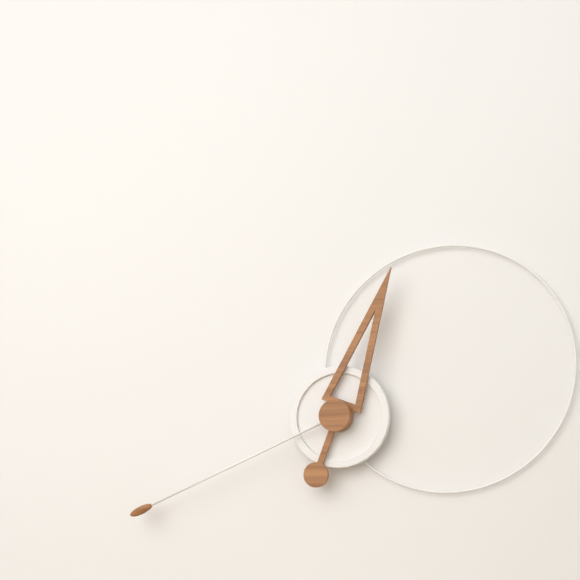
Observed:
{"hour": 12, "minute": 41}
